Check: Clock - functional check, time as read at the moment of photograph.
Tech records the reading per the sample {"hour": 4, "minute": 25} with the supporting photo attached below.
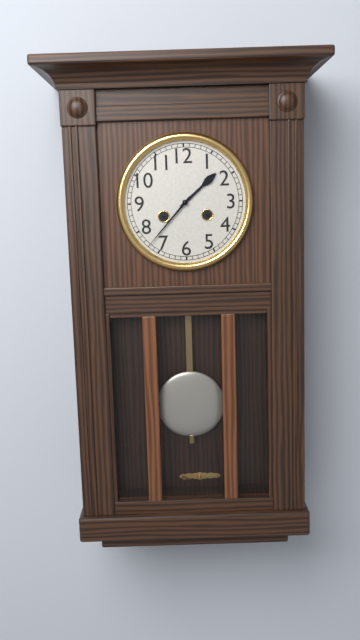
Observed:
{"hour": 1, "minute": 37}
